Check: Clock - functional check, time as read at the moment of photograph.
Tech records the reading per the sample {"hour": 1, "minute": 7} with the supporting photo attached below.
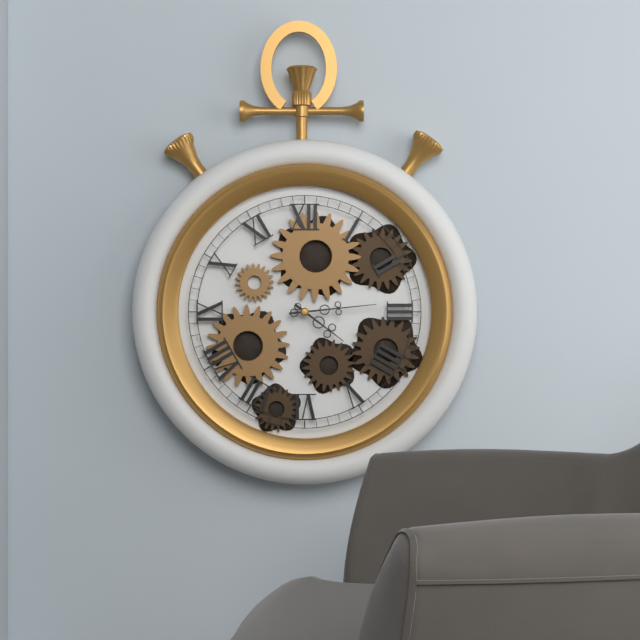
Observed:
{"hour": 4, "minute": 14}
